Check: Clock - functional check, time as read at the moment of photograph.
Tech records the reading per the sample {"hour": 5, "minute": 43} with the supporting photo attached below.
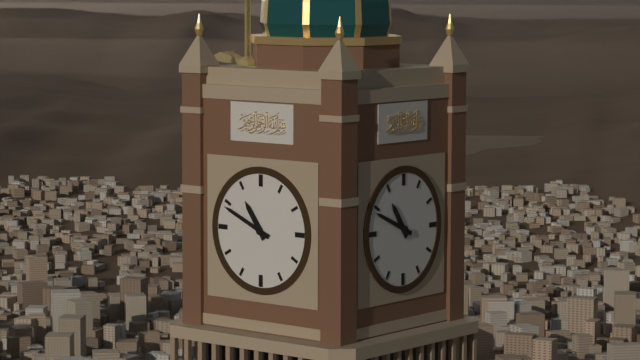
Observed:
{"hour": 10, "minute": 49}
